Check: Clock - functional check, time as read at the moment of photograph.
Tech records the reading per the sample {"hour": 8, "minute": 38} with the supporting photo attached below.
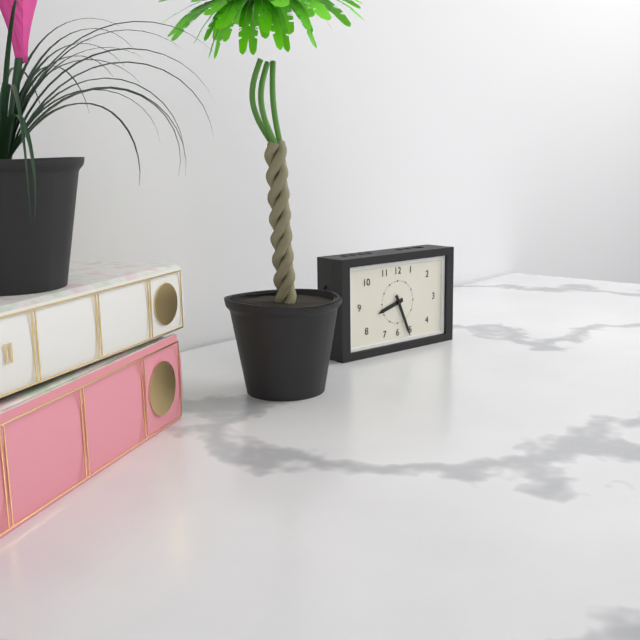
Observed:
{"hour": 8, "minute": 26}
